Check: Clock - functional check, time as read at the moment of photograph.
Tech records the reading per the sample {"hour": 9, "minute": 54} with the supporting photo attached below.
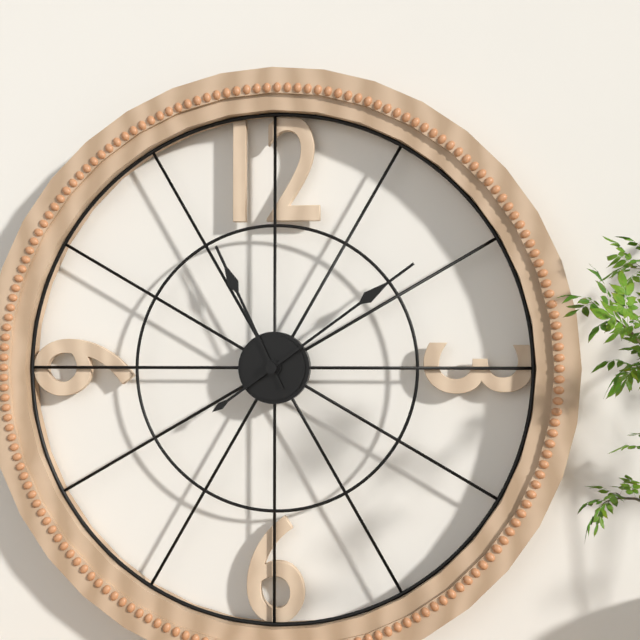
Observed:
{"hour": 11, "minute": 9}
